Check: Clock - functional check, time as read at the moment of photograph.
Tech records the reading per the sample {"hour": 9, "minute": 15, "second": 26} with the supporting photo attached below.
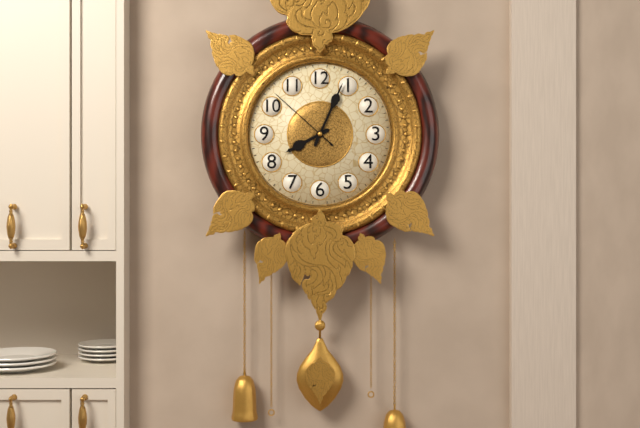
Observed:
{"hour": 8, "minute": 4, "second": 52}
